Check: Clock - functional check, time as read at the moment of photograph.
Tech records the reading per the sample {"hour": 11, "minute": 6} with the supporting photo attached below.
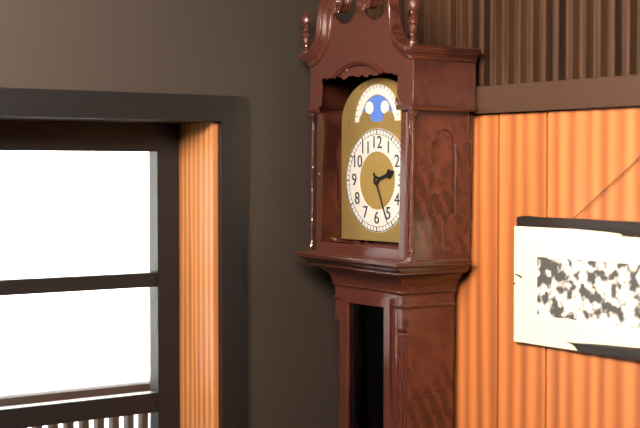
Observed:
{"hour": 2, "minute": 26}
